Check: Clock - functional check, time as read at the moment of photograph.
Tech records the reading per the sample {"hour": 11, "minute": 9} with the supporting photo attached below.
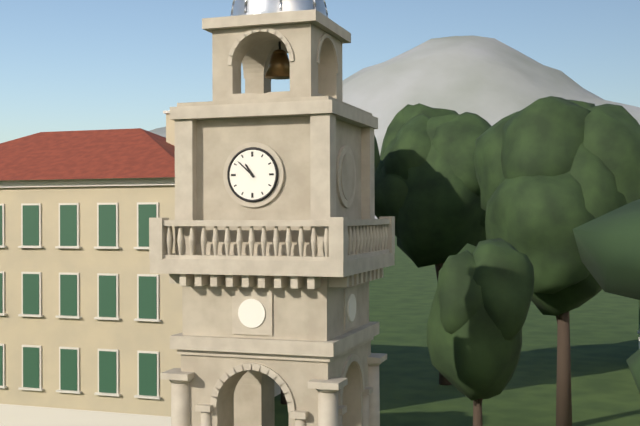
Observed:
{"hour": 10, "minute": 52}
